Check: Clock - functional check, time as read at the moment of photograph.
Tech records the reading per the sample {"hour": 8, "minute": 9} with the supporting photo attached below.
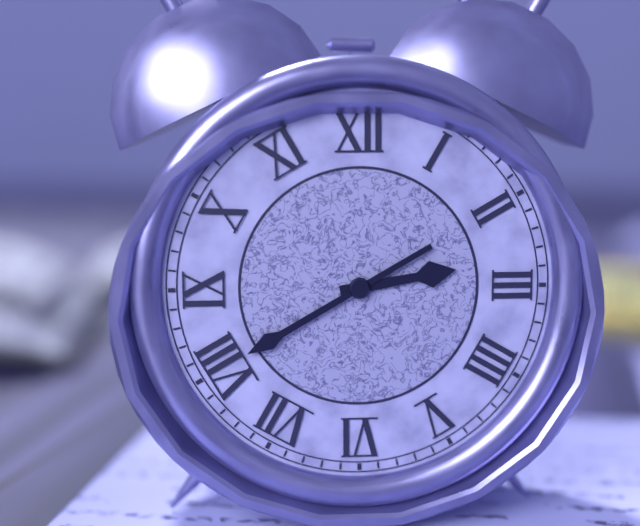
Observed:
{"hour": 2, "minute": 40}
